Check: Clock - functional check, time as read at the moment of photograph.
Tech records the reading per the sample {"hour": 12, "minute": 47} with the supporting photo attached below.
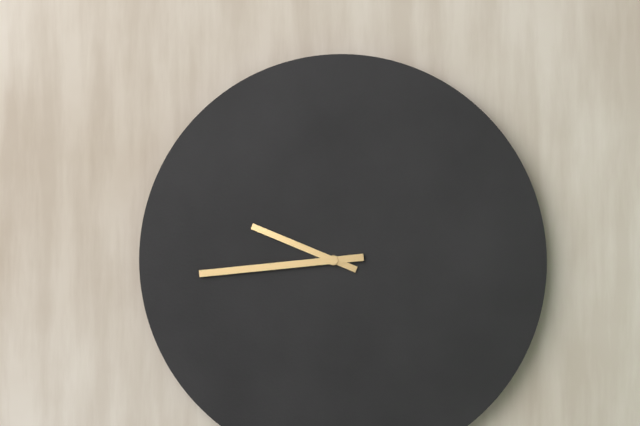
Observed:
{"hour": 9, "minute": 44}
